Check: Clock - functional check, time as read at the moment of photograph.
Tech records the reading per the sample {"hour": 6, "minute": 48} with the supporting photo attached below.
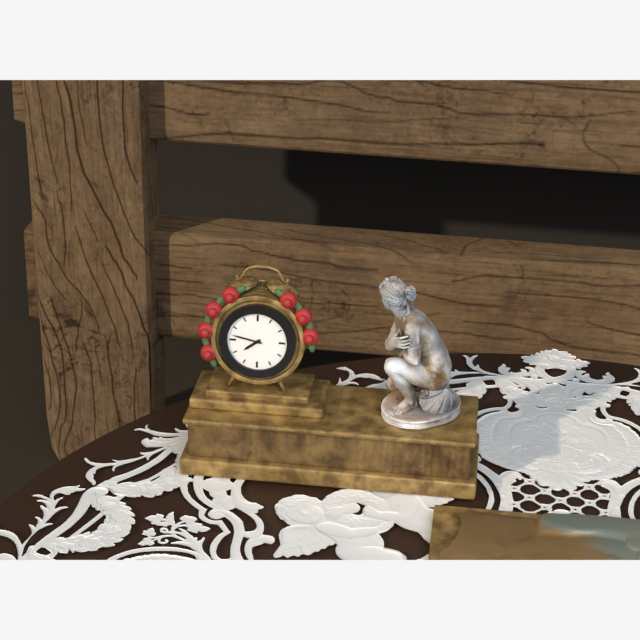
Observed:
{"hour": 7, "minute": 47}
